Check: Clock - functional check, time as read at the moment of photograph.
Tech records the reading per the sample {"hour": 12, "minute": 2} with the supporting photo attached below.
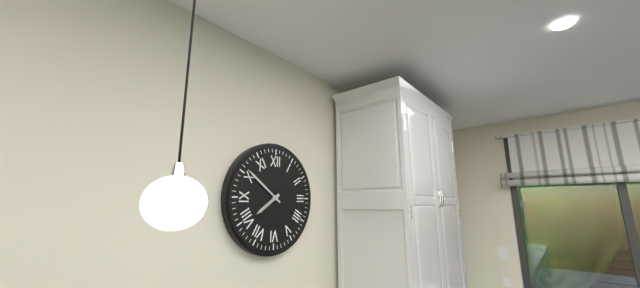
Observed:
{"hour": 7, "minute": 51}
